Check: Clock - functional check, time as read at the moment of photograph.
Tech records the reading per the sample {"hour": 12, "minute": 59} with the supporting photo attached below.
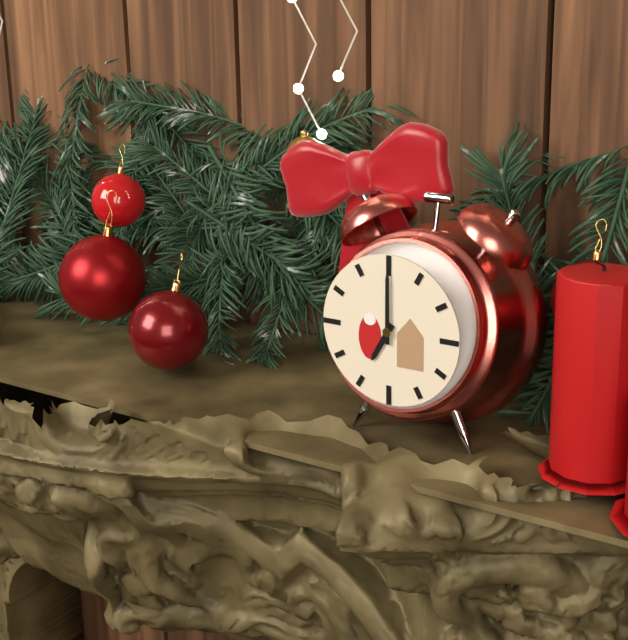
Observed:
{"hour": 7, "minute": 0}
